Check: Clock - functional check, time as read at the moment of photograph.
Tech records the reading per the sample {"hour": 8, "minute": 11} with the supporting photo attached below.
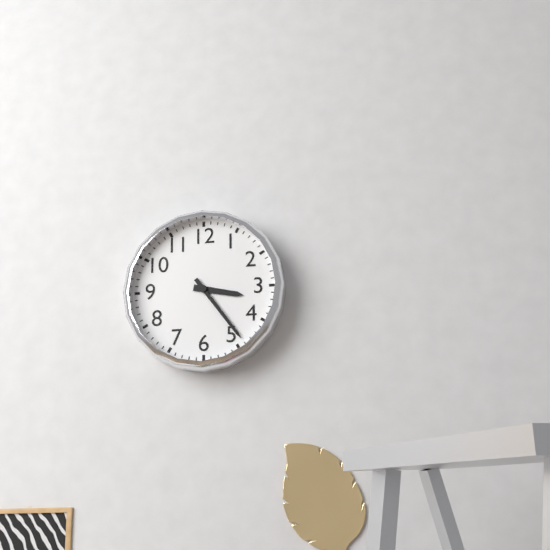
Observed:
{"hour": 3, "minute": 24}
